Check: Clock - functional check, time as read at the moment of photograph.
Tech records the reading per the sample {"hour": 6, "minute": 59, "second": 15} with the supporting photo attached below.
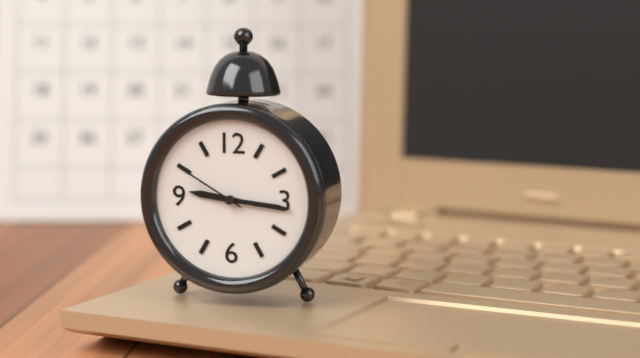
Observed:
{"hour": 9, "minute": 16, "second": 50}
